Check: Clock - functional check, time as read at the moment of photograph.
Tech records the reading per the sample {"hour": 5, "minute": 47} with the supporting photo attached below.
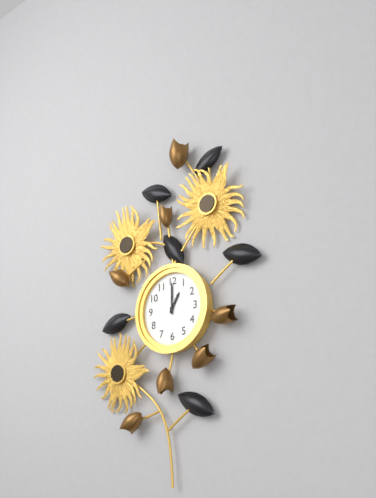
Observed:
{"hour": 1, "minute": 0}
